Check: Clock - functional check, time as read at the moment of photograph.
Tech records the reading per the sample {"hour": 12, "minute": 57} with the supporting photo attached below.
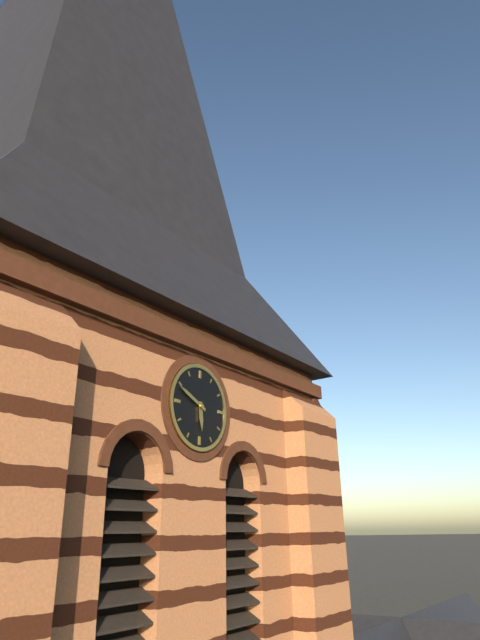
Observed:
{"hour": 5, "minute": 49}
